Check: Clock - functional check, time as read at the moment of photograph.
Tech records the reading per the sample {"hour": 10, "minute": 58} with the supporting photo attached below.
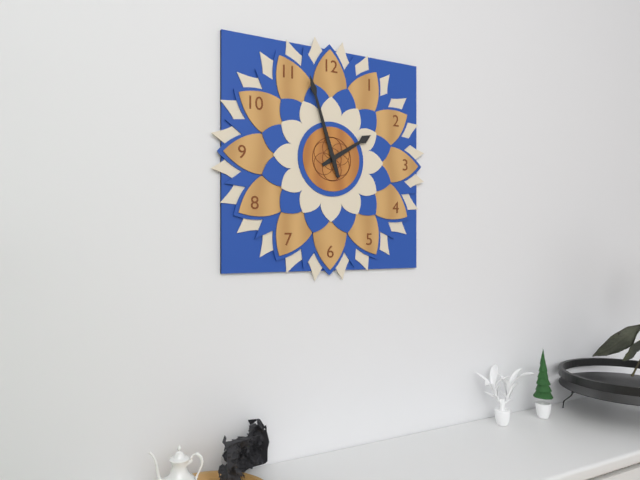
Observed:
{"hour": 1, "minute": 57}
